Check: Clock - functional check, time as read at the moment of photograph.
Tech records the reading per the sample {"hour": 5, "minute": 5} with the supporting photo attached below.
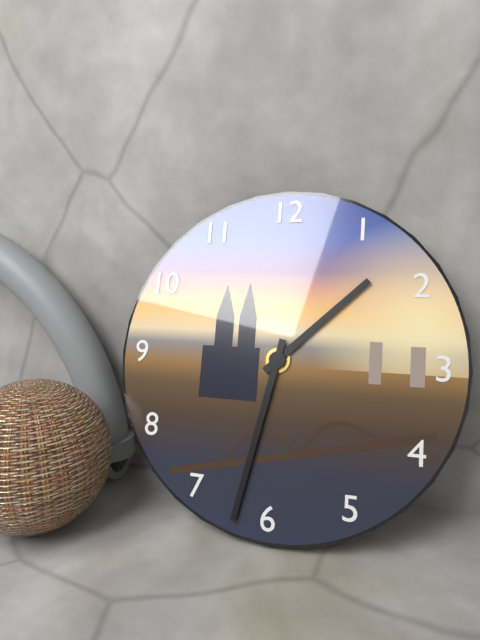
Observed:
{"hour": 1, "minute": 32}
